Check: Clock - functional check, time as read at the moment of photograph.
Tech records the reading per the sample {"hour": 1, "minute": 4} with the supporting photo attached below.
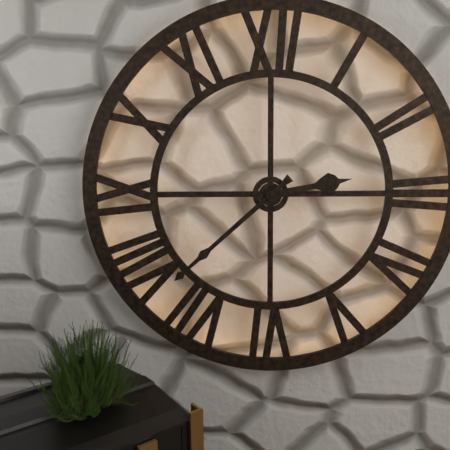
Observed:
{"hour": 2, "minute": 38}
